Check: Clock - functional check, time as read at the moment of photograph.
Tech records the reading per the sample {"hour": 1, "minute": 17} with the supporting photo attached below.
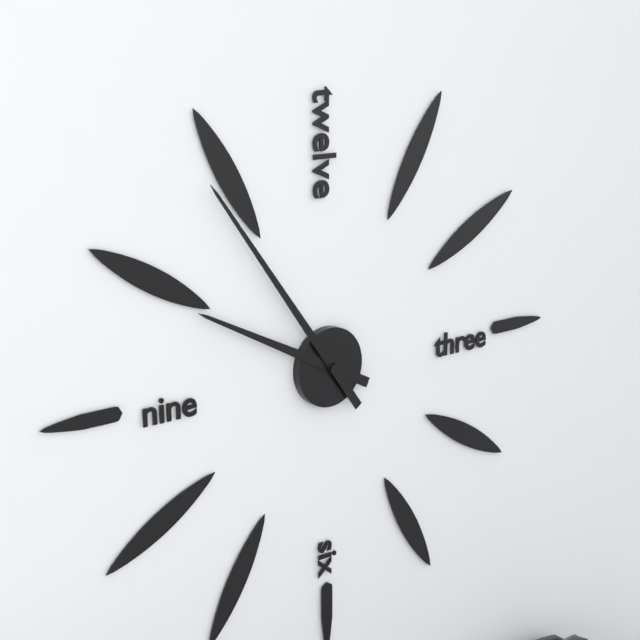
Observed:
{"hour": 9, "minute": 54}
